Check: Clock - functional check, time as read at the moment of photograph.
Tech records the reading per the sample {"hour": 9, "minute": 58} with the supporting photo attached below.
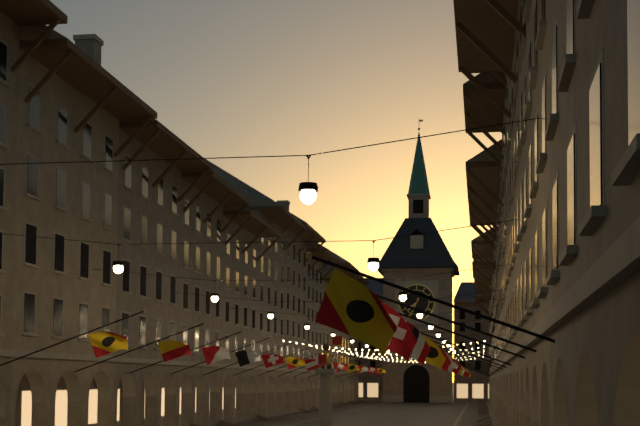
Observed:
{"hour": 7, "minute": 34}
